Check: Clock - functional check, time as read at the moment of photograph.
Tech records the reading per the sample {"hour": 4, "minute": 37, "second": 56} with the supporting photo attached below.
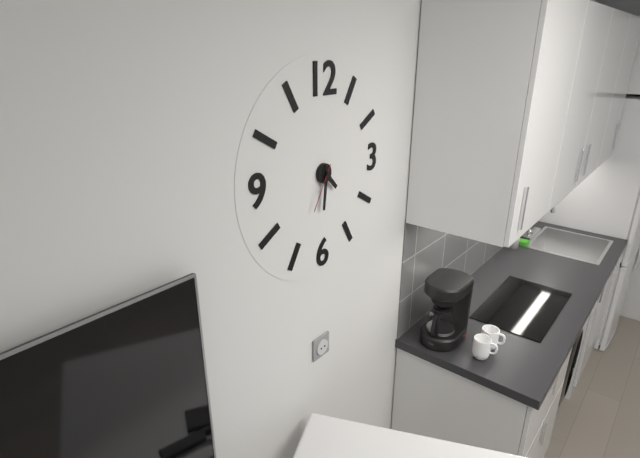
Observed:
{"hour": 4, "minute": 31, "second": 35}
